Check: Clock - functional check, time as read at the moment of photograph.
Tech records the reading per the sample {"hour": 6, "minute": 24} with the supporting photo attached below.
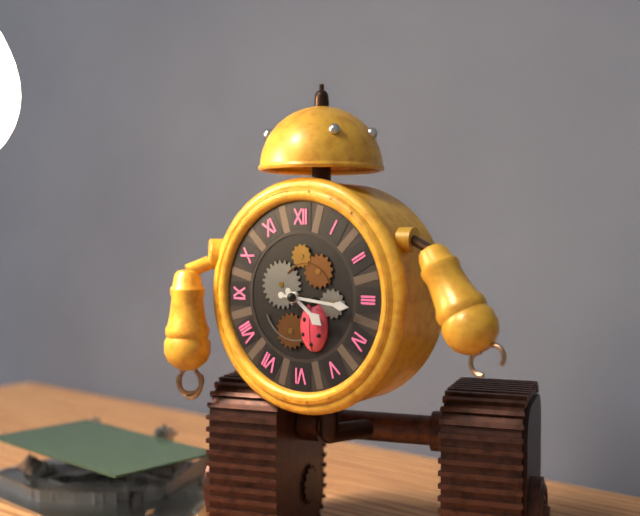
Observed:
{"hour": 4, "minute": 16}
